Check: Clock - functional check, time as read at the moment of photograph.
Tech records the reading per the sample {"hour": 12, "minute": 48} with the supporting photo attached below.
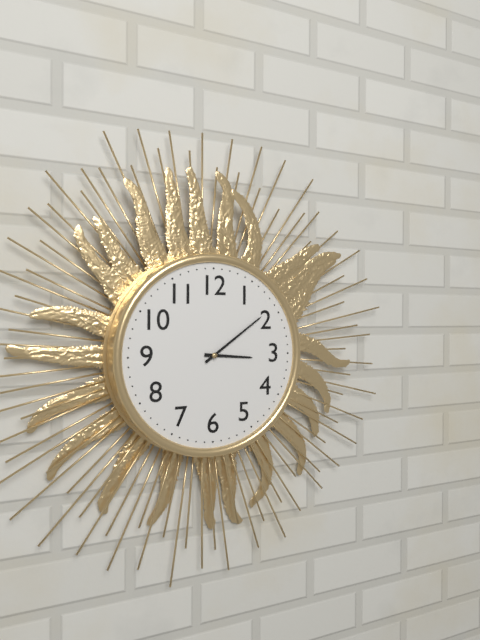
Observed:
{"hour": 3, "minute": 9}
